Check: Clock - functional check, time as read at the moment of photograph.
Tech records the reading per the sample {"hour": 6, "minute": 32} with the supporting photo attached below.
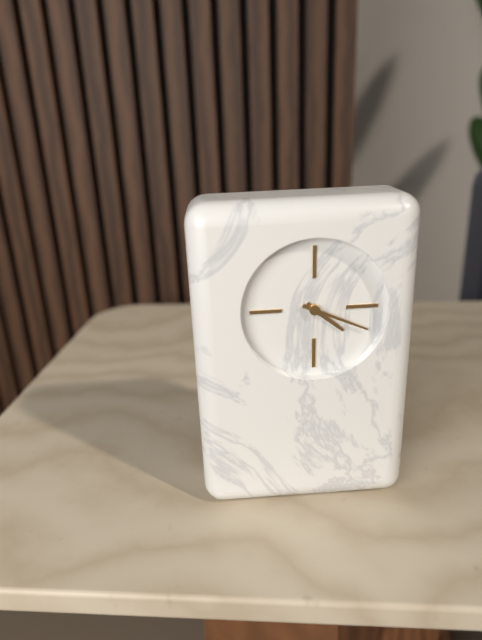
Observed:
{"hour": 4, "minute": 19}
